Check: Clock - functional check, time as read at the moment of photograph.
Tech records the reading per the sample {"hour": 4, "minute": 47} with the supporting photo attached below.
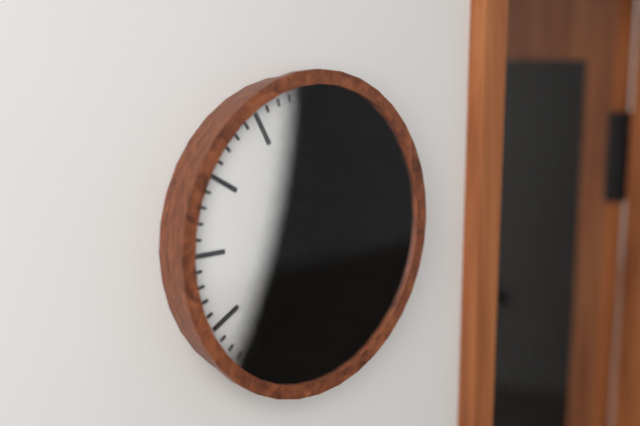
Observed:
{"hour": 6, "minute": 35}
